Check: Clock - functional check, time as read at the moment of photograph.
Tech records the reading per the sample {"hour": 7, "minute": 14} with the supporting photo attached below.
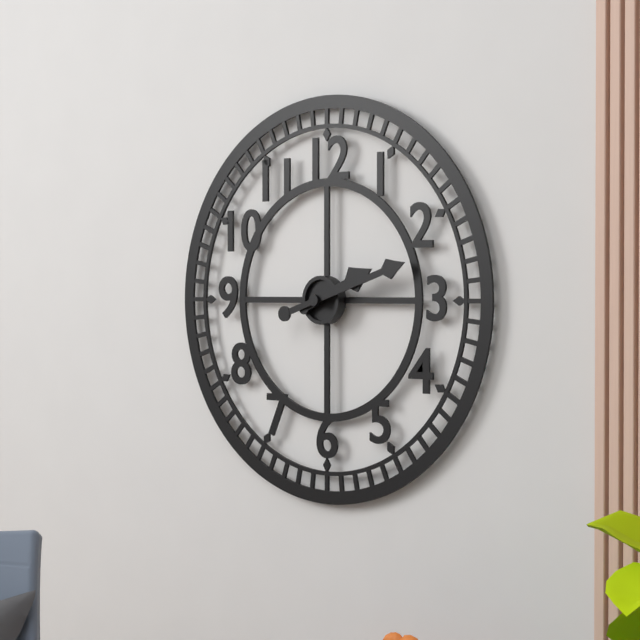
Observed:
{"hour": 2, "minute": 12}
